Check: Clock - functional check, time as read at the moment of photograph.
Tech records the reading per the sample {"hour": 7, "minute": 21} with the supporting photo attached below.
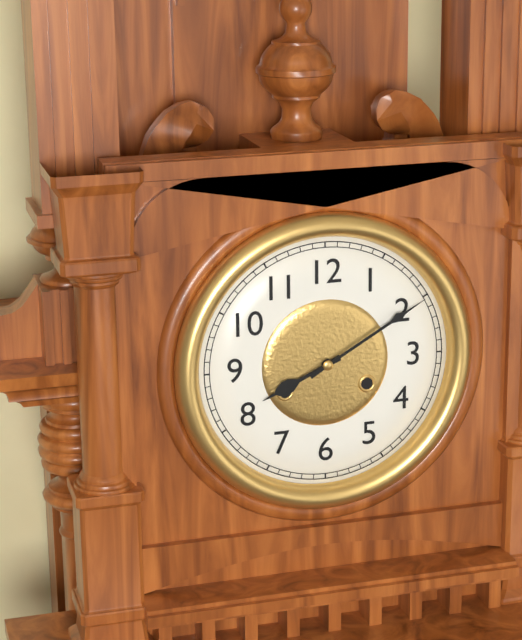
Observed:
{"hour": 8, "minute": 10}
